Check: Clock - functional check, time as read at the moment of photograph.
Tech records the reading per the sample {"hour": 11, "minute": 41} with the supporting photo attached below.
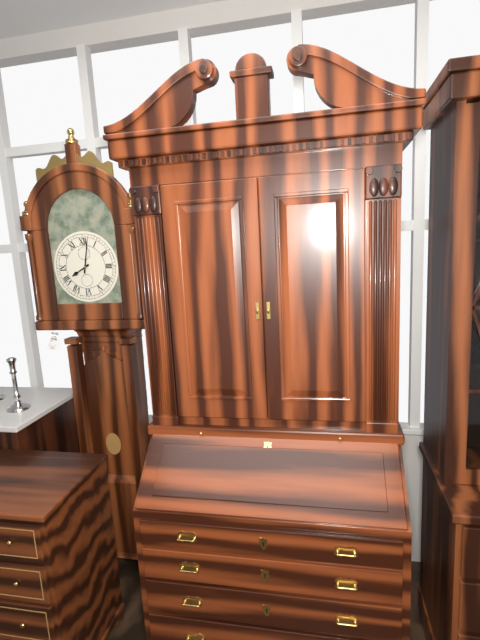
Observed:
{"hour": 8, "minute": 2}
